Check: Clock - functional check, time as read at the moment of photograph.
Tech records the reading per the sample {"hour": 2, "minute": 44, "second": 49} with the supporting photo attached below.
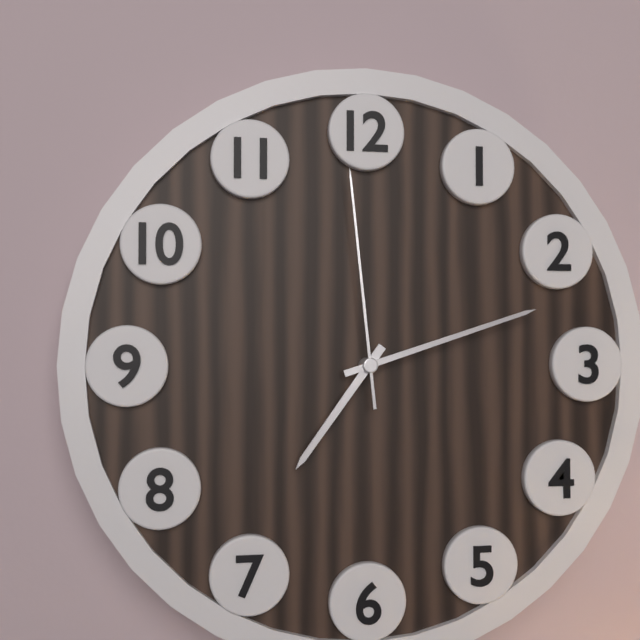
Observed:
{"hour": 7, "minute": 12, "second": 59}
